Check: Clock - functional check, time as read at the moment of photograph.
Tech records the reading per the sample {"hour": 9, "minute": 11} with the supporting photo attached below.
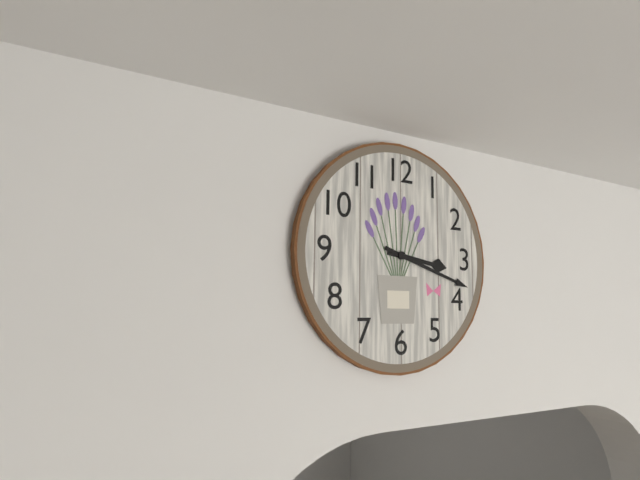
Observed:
{"hour": 3, "minute": 18}
